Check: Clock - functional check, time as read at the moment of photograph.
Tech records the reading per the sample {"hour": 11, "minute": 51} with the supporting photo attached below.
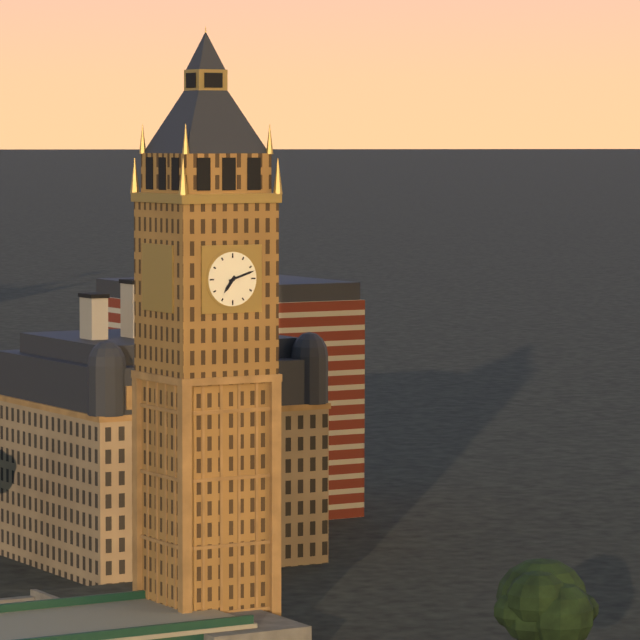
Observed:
{"hour": 7, "minute": 12}
